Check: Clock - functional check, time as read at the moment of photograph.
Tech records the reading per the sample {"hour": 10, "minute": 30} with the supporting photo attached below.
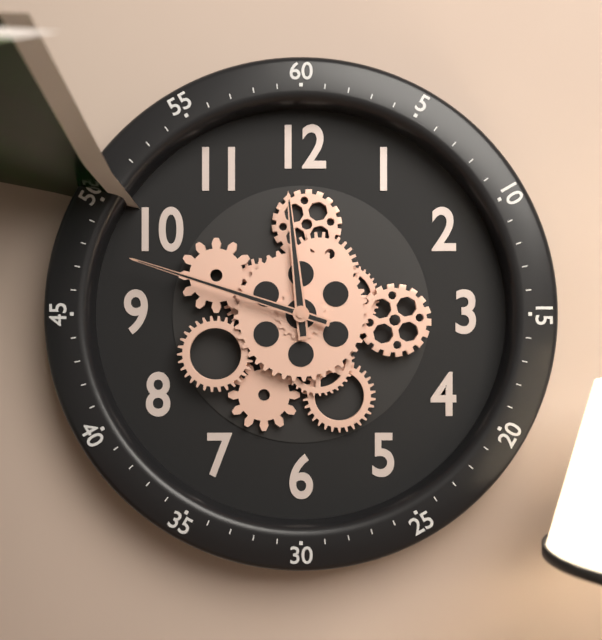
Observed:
{"hour": 11, "minute": 48}
